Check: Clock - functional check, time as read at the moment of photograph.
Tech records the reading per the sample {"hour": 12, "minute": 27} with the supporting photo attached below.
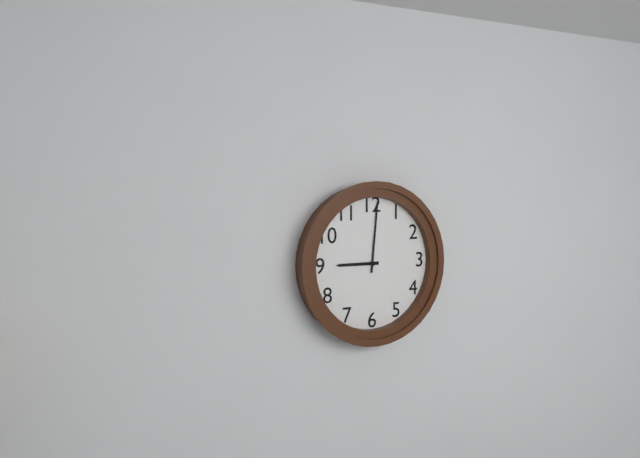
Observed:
{"hour": 9, "minute": 1}
